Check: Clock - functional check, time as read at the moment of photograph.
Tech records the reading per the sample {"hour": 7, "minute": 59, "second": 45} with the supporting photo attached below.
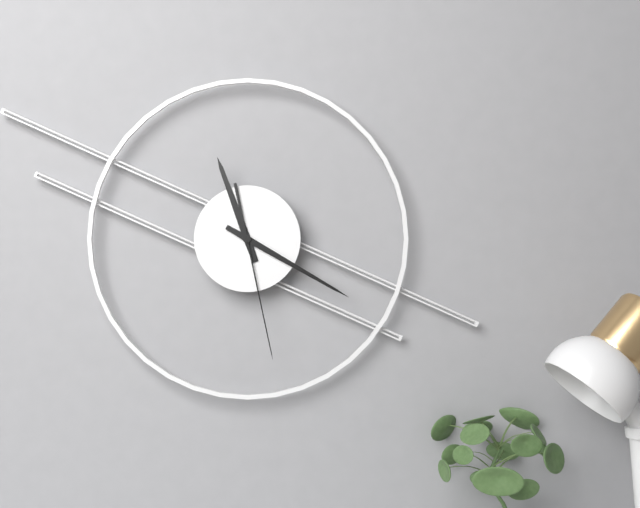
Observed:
{"hour": 11, "minute": 20, "second": 28}
